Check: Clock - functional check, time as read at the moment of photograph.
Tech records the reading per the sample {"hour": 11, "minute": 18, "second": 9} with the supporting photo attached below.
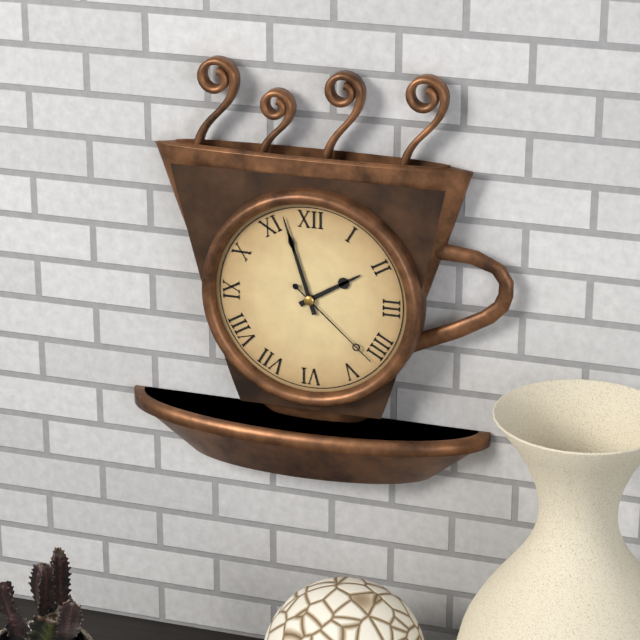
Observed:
{"hour": 1, "minute": 57, "second": 22}
